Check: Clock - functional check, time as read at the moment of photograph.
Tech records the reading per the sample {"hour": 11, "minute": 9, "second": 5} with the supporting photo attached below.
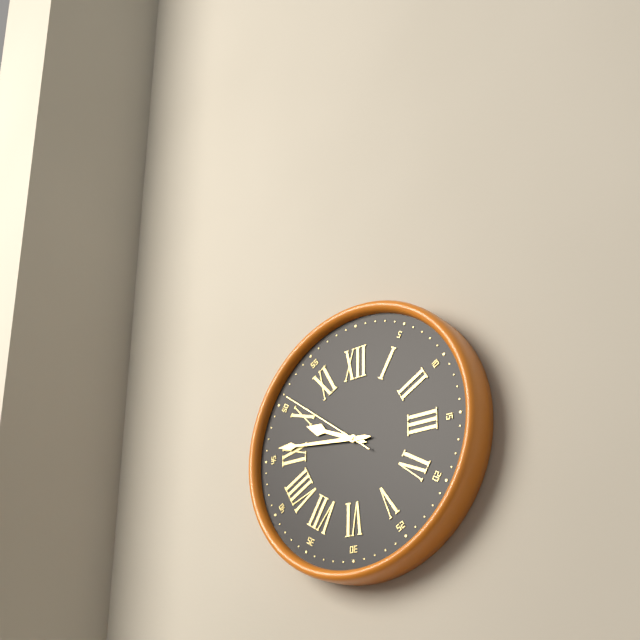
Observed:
{"hour": 9, "minute": 46, "second": 51}
